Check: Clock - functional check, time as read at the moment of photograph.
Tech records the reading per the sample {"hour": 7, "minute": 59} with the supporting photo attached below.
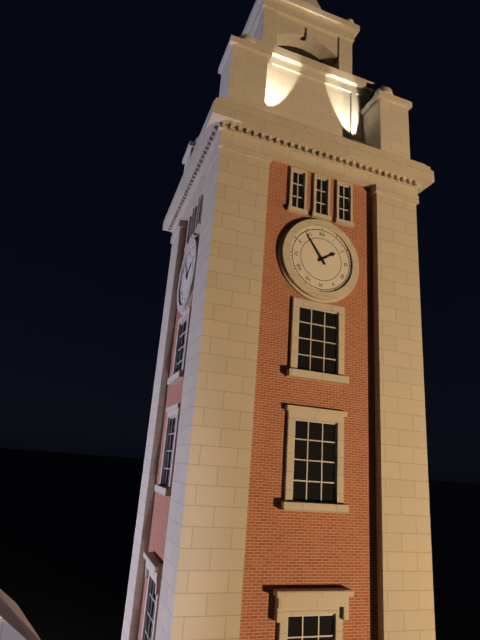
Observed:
{"hour": 1, "minute": 54}
